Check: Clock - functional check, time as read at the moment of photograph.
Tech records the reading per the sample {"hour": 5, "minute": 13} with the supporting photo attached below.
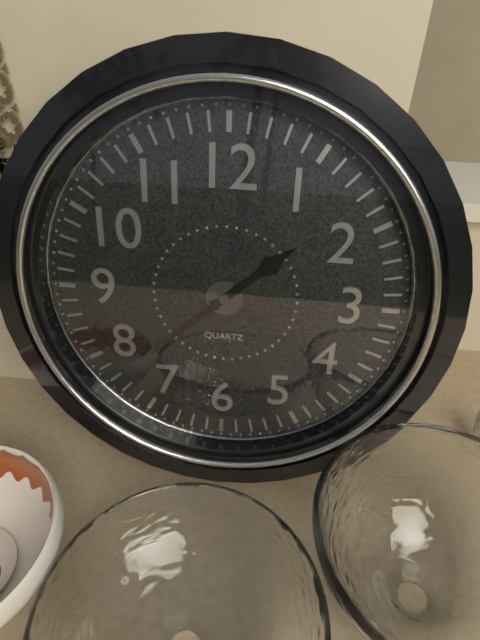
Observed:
{"hour": 1, "minute": 38}
